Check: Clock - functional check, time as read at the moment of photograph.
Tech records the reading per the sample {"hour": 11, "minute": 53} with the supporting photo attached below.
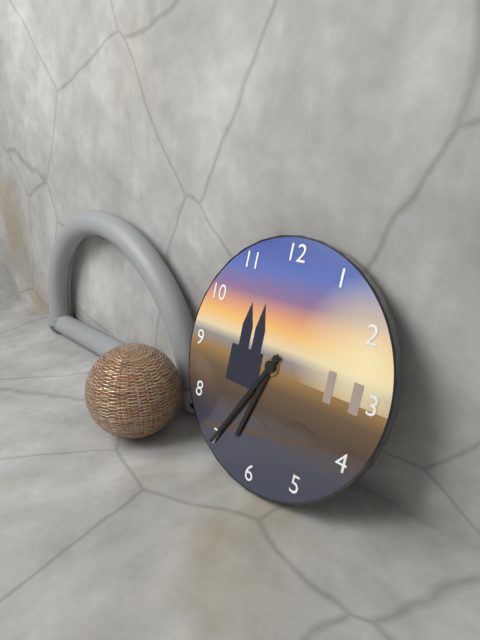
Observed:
{"hour": 6, "minute": 35}
